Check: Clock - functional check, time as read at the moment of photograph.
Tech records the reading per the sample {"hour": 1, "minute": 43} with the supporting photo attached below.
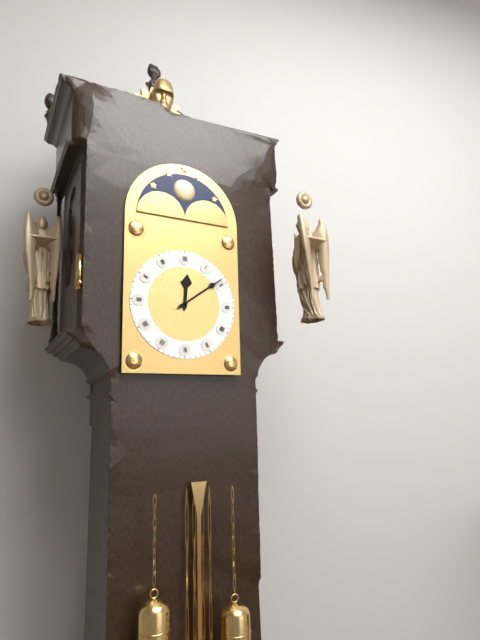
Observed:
{"hour": 12, "minute": 9}
